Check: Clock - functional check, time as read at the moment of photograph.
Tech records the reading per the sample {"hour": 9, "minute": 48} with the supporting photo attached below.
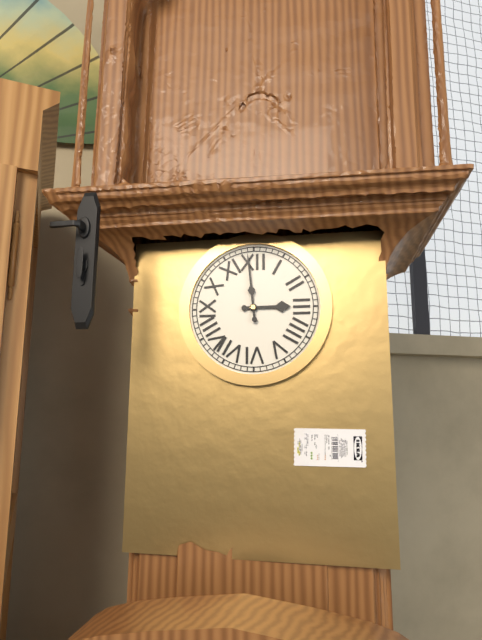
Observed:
{"hour": 2, "minute": 59}
